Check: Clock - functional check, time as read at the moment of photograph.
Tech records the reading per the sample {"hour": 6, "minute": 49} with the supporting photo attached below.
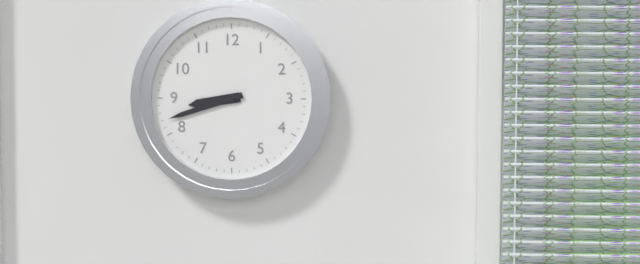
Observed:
{"hour": 8, "minute": 42}
